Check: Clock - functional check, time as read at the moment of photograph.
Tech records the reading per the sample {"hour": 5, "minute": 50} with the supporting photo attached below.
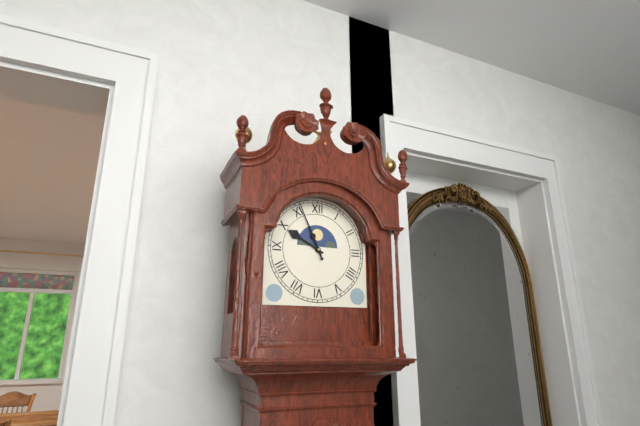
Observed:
{"hour": 9, "minute": 56}
